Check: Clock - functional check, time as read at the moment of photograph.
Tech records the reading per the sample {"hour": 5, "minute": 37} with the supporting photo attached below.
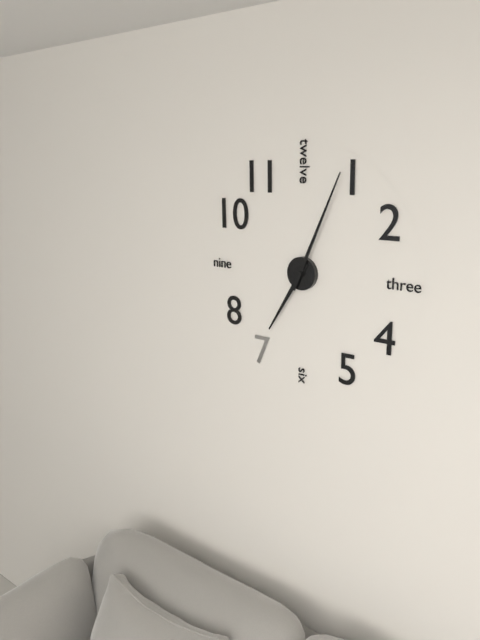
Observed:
{"hour": 7, "minute": 4}
